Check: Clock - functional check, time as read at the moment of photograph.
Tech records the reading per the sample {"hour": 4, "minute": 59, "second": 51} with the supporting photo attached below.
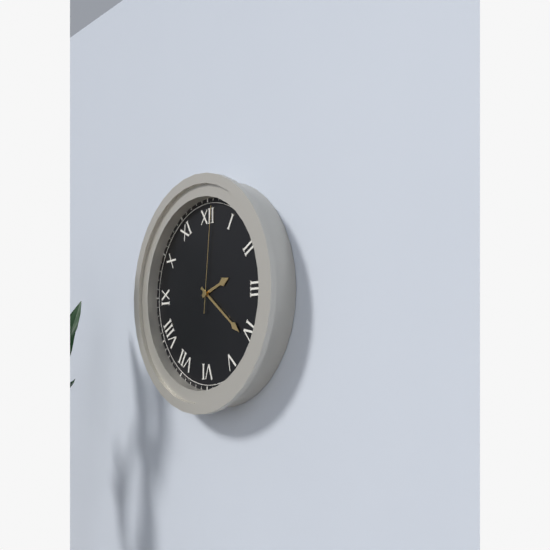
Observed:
{"hour": 2, "minute": 21, "second": 1}
